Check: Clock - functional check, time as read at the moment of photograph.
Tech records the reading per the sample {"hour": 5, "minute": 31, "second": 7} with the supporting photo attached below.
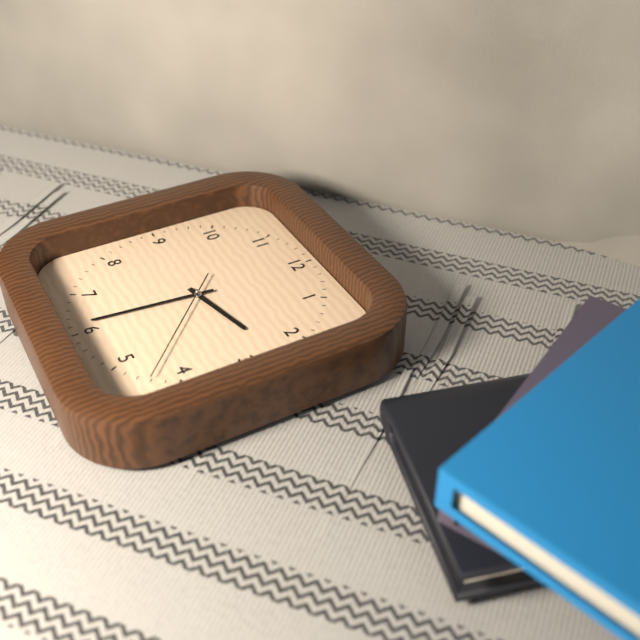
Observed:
{"hour": 2, "minute": 31, "second": 22}
